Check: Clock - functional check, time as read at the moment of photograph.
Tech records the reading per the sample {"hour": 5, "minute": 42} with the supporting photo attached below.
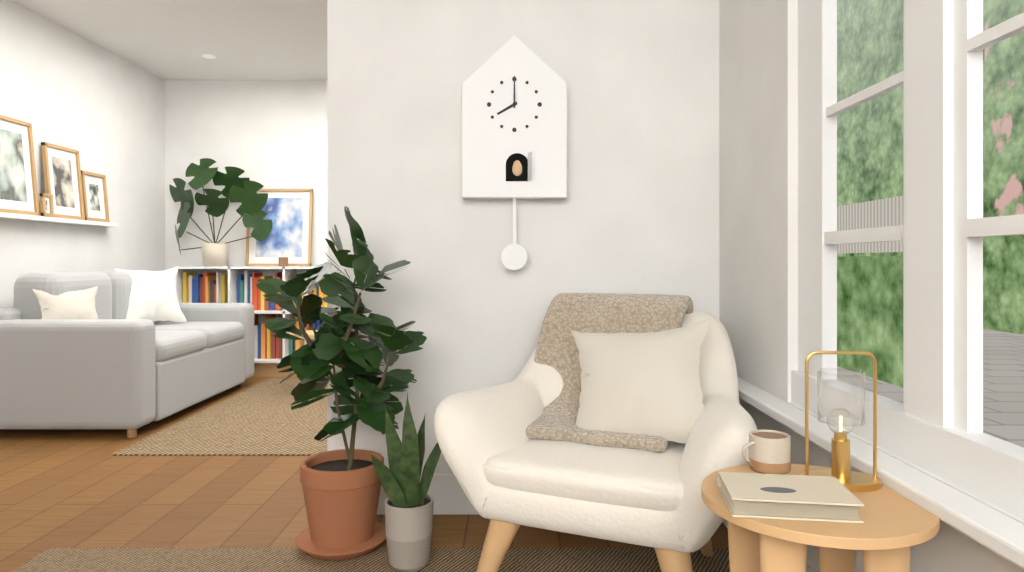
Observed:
{"hour": 8, "minute": 0}
